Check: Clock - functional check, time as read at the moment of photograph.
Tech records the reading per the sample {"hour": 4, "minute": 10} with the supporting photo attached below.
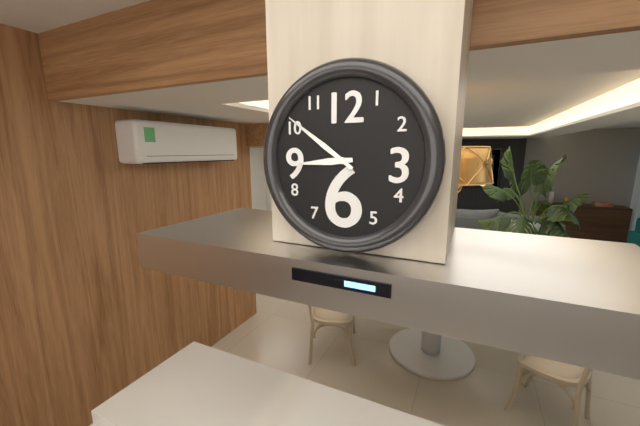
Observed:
{"hour": 8, "minute": 51}
